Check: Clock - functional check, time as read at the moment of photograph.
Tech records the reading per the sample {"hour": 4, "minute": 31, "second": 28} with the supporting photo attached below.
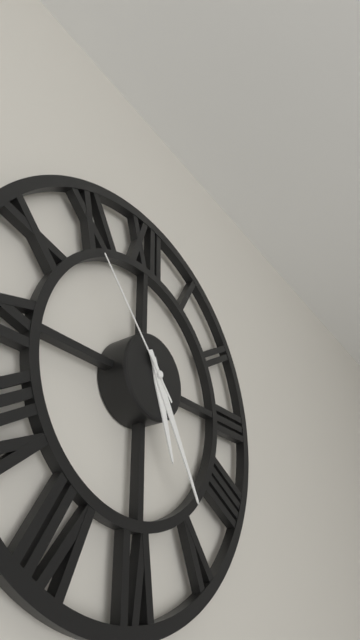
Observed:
{"hour": 5, "minute": 25, "second": 53}
